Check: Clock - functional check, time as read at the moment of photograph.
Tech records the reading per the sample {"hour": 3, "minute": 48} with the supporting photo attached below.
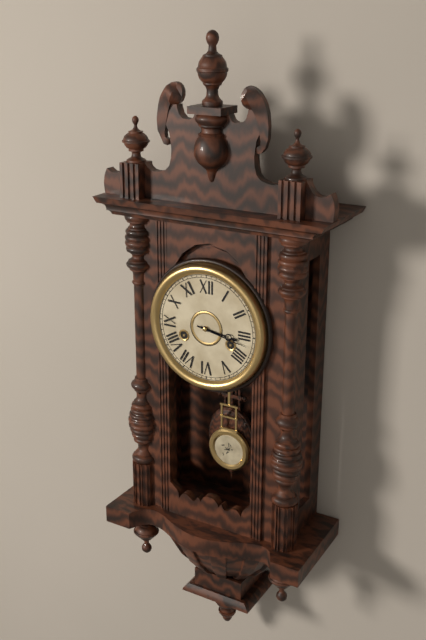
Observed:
{"hour": 3, "minute": 17}
